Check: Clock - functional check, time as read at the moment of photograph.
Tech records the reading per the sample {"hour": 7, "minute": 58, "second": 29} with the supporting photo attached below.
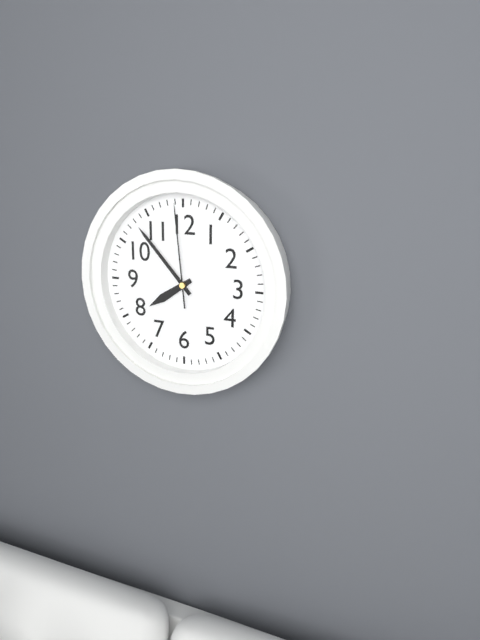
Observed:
{"hour": 7, "minute": 53, "second": 59}
